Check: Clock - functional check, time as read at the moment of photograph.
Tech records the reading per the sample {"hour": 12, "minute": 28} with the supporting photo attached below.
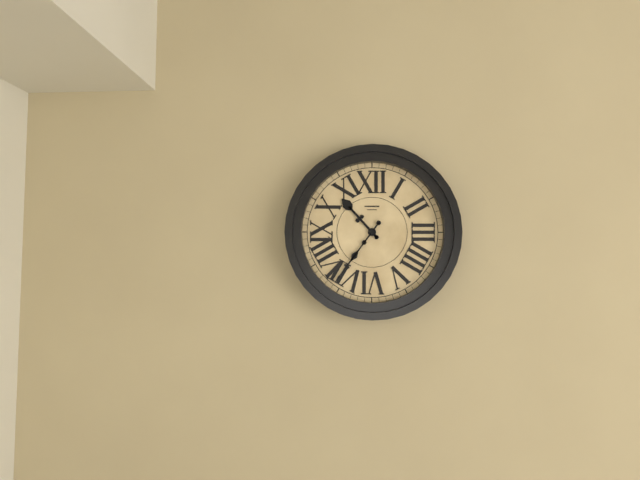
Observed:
{"hour": 10, "minute": 36}
